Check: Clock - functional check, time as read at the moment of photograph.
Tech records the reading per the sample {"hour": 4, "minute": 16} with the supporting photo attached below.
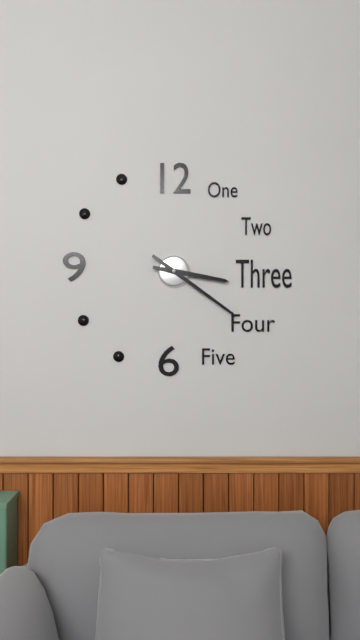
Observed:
{"hour": 3, "minute": 21}
